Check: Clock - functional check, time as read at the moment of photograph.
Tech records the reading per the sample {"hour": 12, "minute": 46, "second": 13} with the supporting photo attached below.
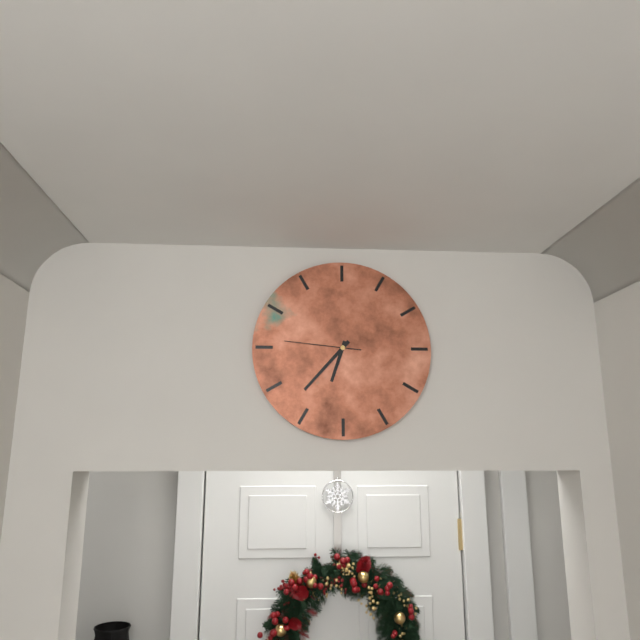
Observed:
{"hour": 6, "minute": 37, "second": 46}
